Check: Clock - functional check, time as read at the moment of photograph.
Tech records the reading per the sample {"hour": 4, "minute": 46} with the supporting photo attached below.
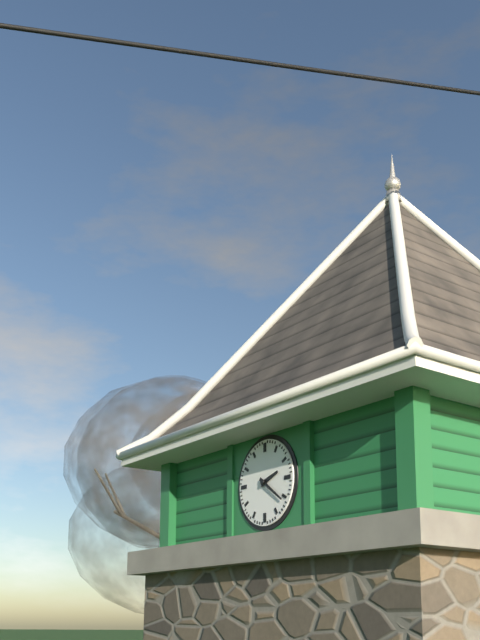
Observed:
{"hour": 2, "minute": 21}
